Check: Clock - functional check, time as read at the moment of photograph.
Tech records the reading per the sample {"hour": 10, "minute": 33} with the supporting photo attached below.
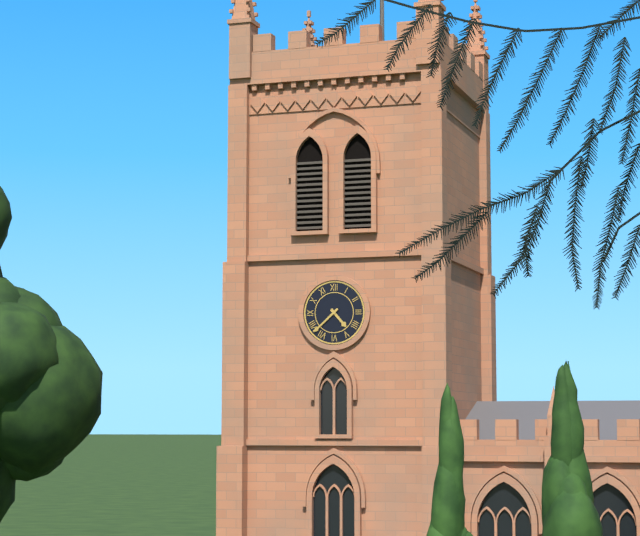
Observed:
{"hour": 4, "minute": 38}
